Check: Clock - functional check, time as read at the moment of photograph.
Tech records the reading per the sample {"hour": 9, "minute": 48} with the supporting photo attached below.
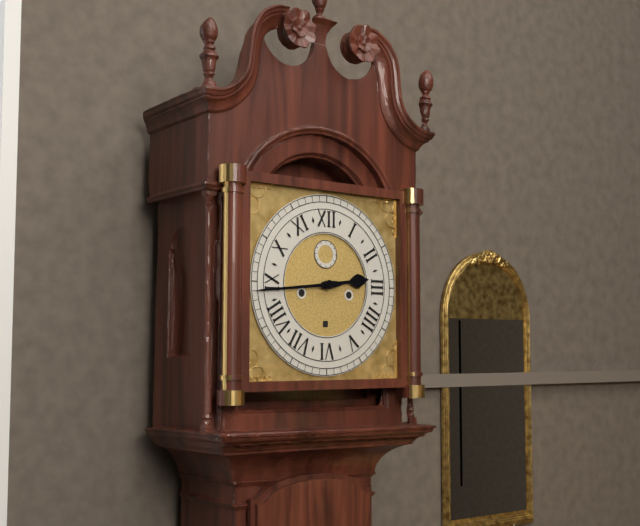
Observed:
{"hour": 2, "minute": 44}
